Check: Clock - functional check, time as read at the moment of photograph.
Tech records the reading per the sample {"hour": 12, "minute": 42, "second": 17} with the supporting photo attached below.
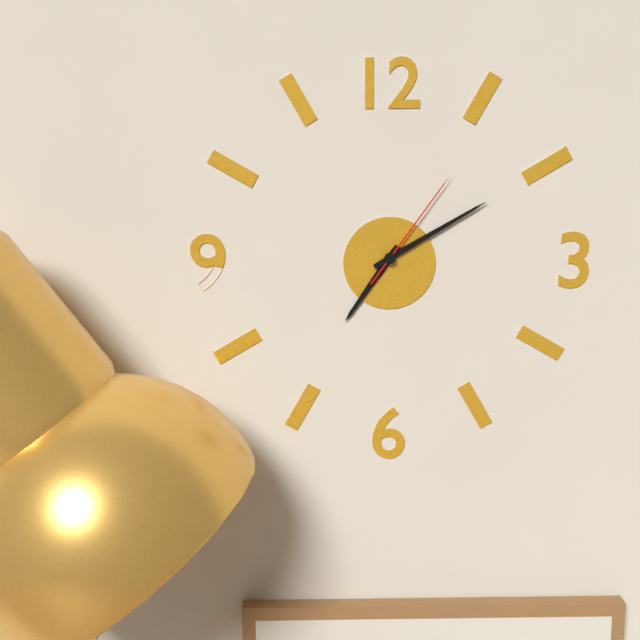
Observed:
{"hour": 7, "minute": 10, "second": 6}
